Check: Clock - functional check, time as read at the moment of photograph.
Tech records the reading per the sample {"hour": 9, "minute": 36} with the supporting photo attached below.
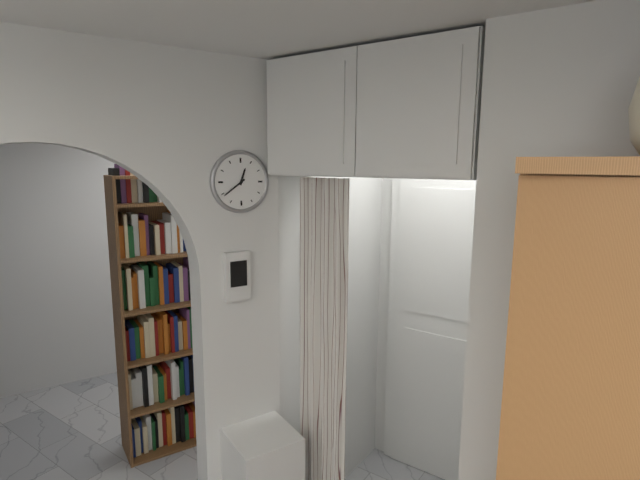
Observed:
{"hour": 12, "minute": 39}
